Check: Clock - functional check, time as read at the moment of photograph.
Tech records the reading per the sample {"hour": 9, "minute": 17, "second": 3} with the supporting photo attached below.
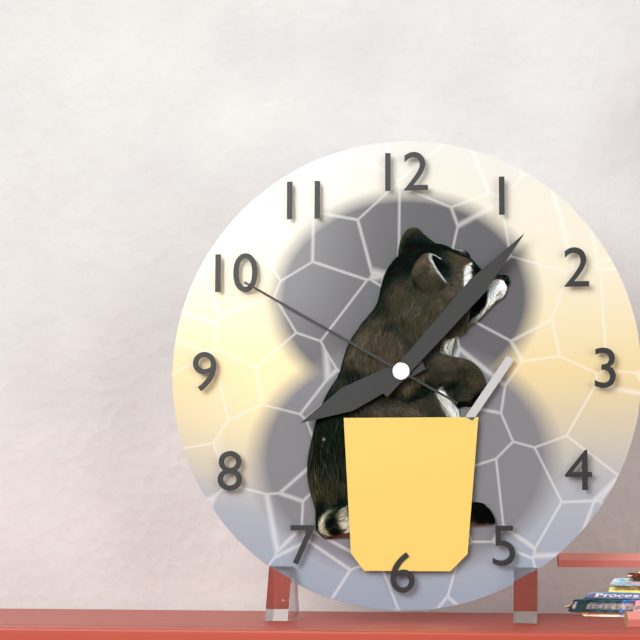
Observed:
{"hour": 8, "minute": 7, "second": 50}
